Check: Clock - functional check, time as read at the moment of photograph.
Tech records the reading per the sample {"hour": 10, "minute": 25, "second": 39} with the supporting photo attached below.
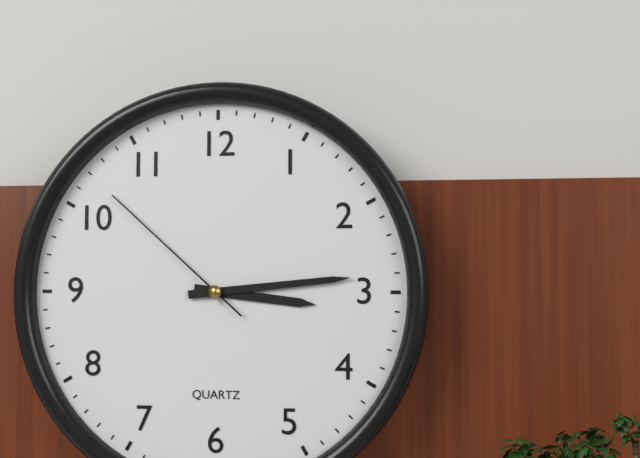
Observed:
{"hour": 3, "minute": 14, "second": 52}
